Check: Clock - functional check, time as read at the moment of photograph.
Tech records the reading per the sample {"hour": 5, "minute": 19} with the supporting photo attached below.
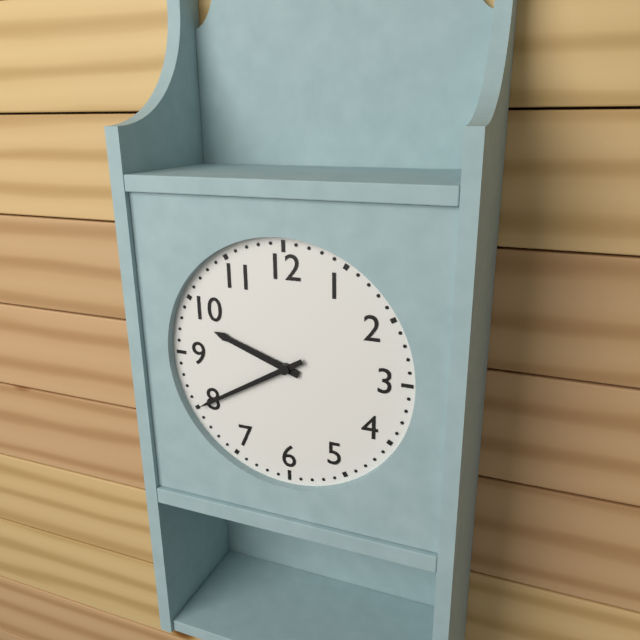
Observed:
{"hour": 9, "minute": 40}
